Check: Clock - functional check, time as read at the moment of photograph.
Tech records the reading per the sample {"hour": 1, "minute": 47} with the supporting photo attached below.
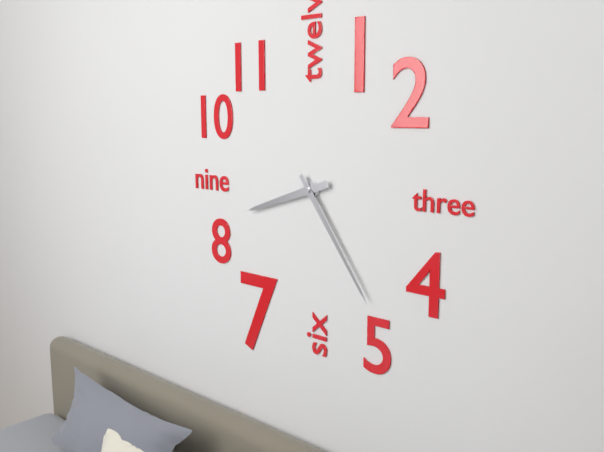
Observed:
{"hour": 8, "minute": 24}
